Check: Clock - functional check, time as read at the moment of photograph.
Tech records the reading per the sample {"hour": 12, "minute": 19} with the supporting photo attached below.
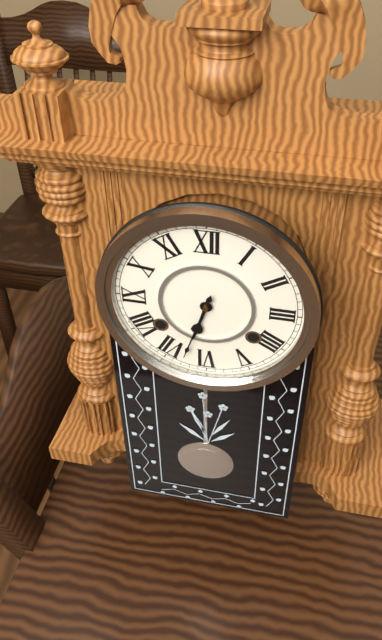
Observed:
{"hour": 6, "minute": 33}
